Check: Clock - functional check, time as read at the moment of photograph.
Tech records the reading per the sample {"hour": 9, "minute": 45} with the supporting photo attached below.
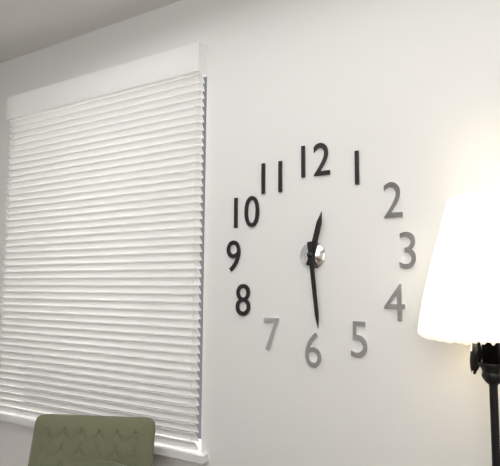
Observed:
{"hour": 12, "minute": 29}
